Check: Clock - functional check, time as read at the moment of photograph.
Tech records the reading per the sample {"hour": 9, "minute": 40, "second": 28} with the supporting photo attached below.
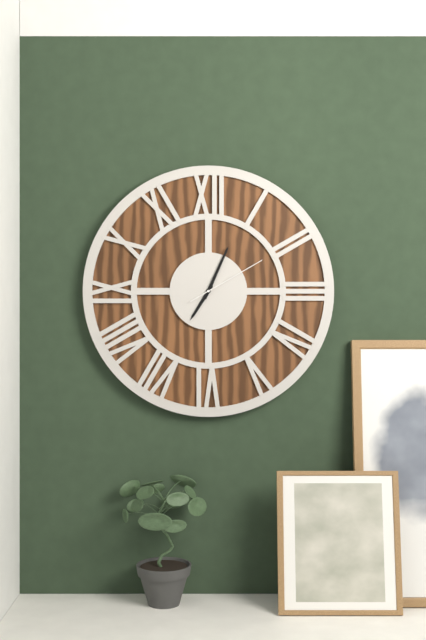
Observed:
{"hour": 7, "minute": 4, "second": 10}
